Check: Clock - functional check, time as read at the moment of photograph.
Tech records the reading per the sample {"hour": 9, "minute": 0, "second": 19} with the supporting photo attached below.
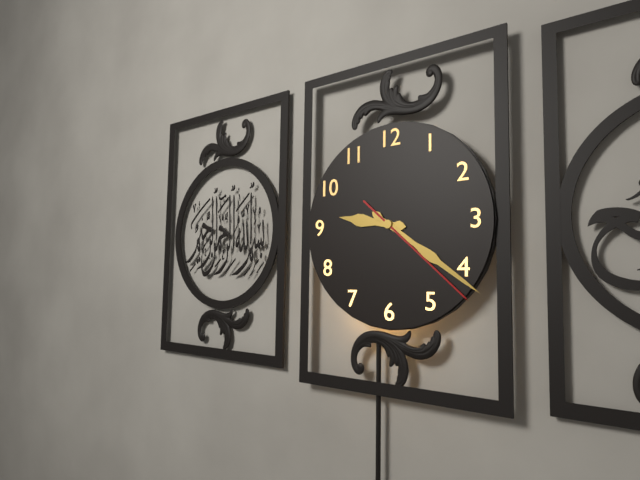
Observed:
{"hour": 9, "minute": 21, "second": 22}
